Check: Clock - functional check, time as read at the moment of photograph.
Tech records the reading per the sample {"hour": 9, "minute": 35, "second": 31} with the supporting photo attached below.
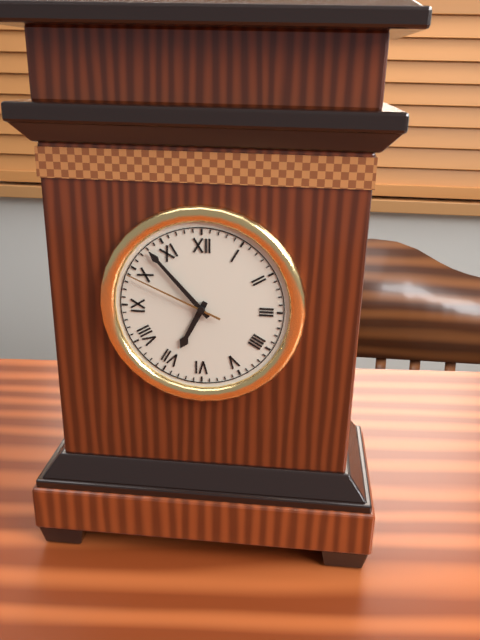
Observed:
{"hour": 6, "minute": 53, "second": 49}
